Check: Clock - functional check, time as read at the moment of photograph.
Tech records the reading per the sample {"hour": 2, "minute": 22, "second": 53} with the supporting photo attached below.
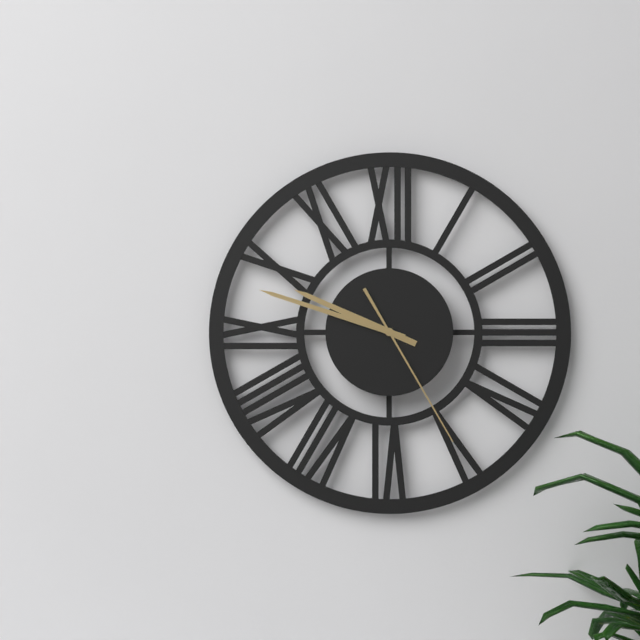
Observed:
{"hour": 9, "minute": 48, "second": 25}
